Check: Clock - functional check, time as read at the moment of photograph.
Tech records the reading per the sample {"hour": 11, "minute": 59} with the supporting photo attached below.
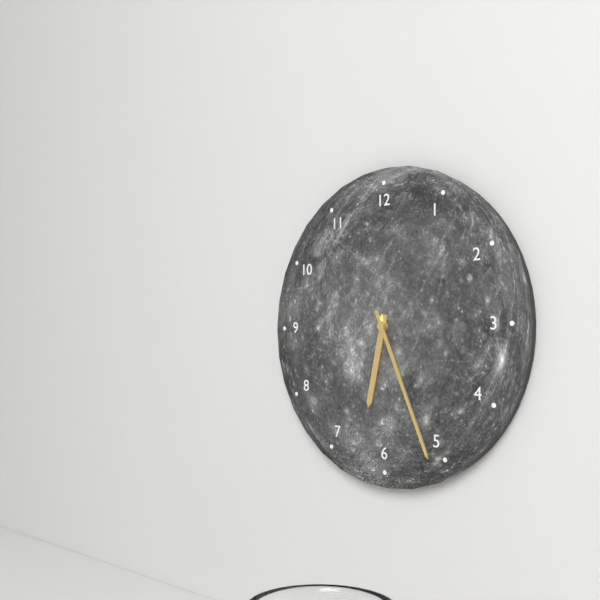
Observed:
{"hour": 6, "minute": 26}
